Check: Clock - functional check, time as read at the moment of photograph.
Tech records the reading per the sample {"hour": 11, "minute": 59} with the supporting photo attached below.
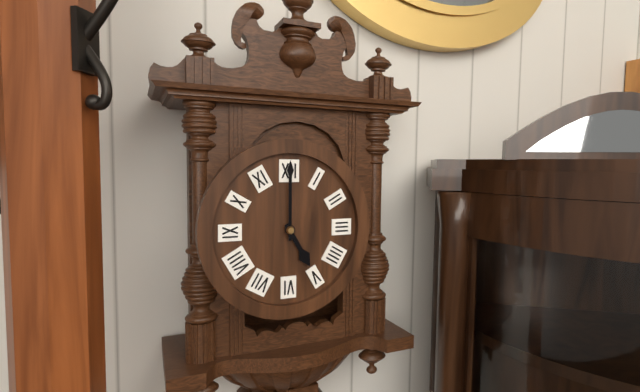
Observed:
{"hour": 5, "minute": 0}
